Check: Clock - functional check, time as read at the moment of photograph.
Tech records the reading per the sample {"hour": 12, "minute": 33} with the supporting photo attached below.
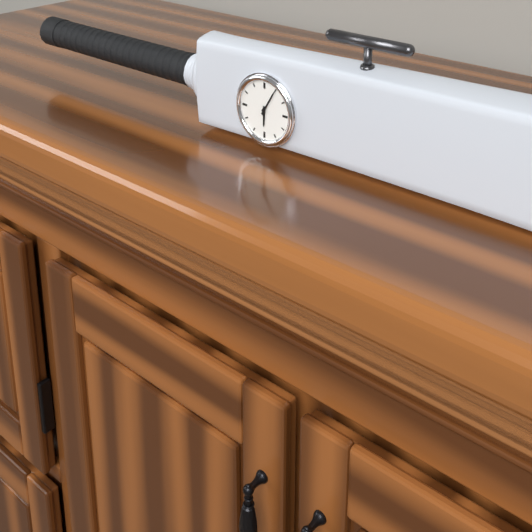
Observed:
{"hour": 6, "minute": 5}
